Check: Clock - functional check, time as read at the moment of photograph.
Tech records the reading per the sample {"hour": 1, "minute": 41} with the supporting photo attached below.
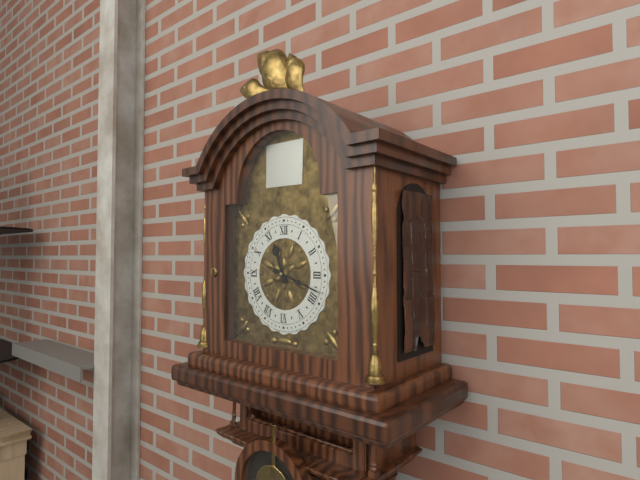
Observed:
{"hour": 11, "minute": 18}
